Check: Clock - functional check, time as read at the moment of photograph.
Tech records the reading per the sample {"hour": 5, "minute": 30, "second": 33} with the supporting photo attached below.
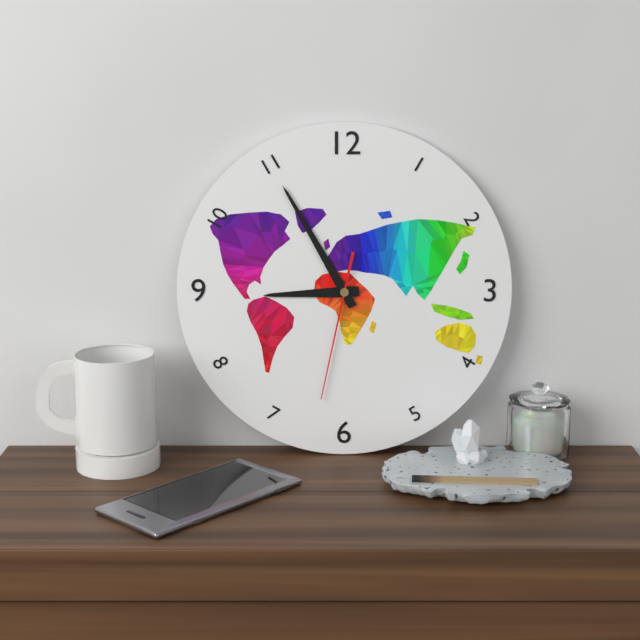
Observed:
{"hour": 8, "minute": 55, "second": 32}
